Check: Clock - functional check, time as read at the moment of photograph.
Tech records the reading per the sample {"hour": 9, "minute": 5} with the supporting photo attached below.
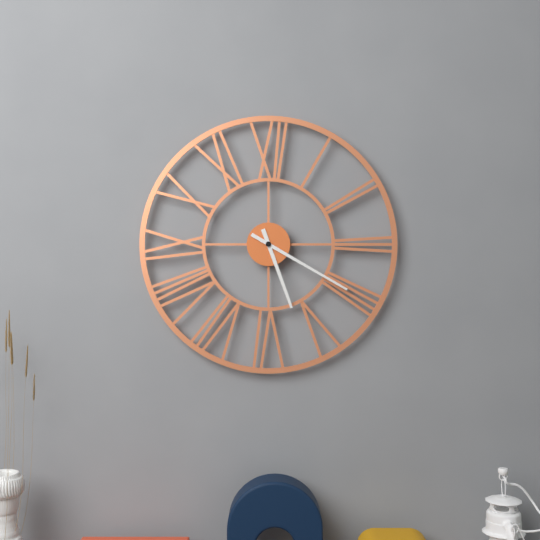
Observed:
{"hour": 5, "minute": 20}
